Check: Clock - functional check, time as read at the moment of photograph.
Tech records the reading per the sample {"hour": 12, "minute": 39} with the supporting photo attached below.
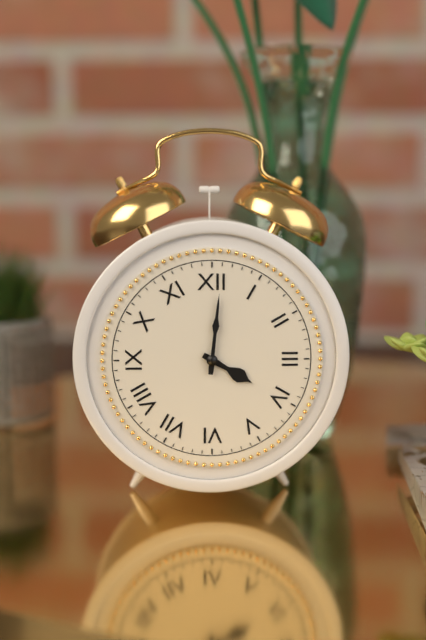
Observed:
{"hour": 4, "minute": 1}
